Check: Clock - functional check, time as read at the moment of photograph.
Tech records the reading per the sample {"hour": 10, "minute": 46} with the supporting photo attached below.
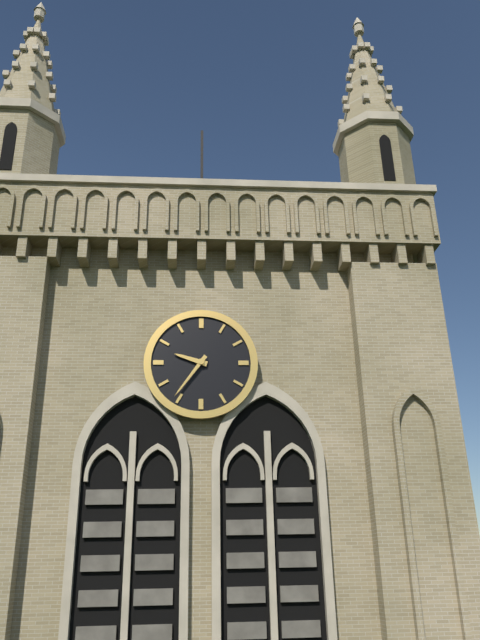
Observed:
{"hour": 9, "minute": 36}
